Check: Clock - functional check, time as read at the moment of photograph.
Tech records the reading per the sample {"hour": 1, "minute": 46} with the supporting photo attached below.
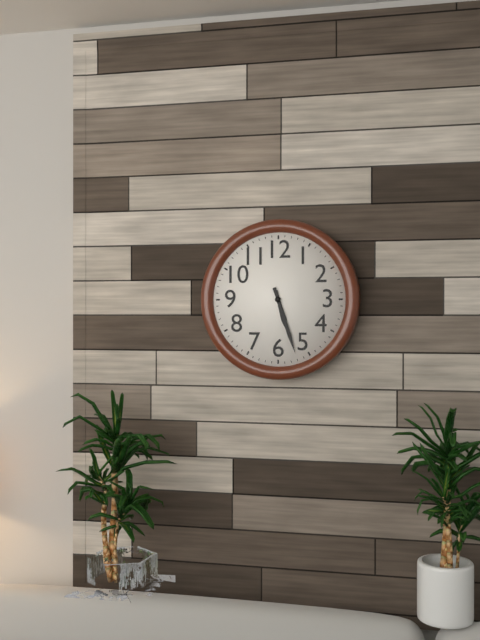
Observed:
{"hour": 5, "minute": 27}
